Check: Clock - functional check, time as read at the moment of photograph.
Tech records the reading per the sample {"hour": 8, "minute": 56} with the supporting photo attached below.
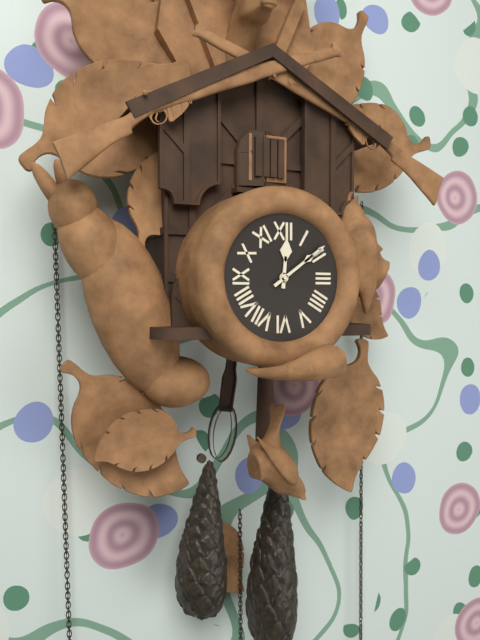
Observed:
{"hour": 12, "minute": 9}
